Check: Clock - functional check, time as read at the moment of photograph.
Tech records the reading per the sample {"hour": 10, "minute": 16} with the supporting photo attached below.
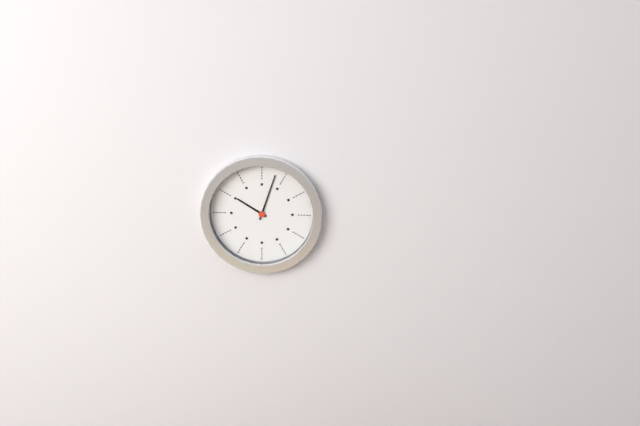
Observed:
{"hour": 10, "minute": 3}
